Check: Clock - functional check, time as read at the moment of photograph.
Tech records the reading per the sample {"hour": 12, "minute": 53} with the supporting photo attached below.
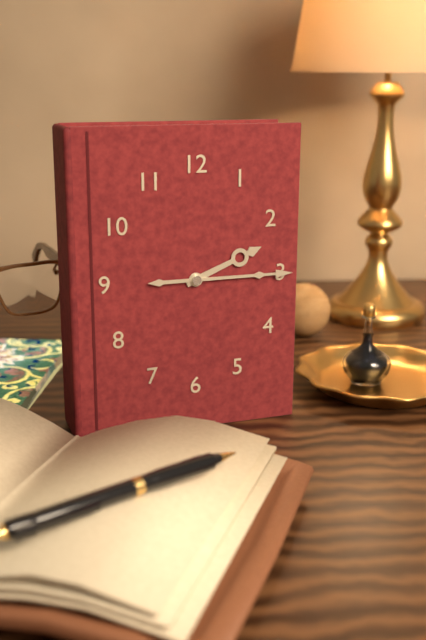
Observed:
{"hour": 2, "minute": 15}
